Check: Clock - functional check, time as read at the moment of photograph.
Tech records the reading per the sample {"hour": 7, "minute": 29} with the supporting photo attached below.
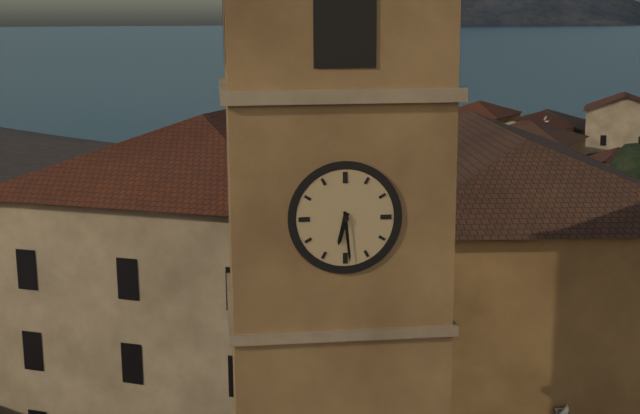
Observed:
{"hour": 6, "minute": 29}
